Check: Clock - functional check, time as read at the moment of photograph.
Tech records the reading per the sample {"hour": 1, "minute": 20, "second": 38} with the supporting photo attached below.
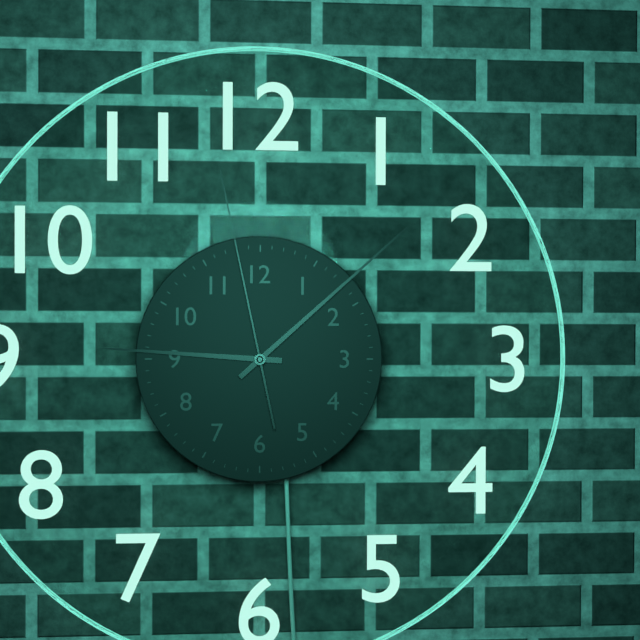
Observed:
{"hour": 9, "minute": 8, "second": 58}
